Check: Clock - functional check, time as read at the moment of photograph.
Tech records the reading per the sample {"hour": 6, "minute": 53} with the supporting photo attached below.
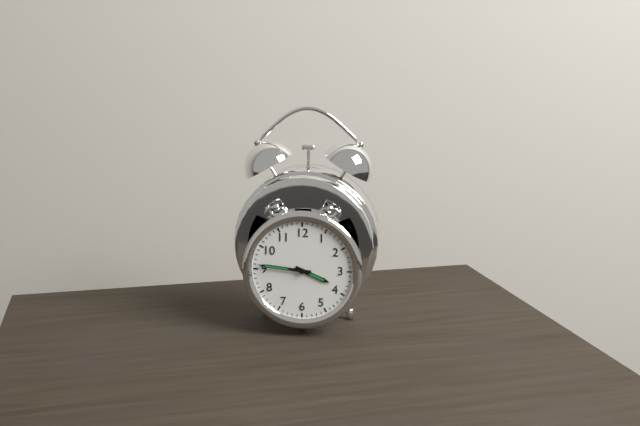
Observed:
{"hour": 3, "minute": 46}
